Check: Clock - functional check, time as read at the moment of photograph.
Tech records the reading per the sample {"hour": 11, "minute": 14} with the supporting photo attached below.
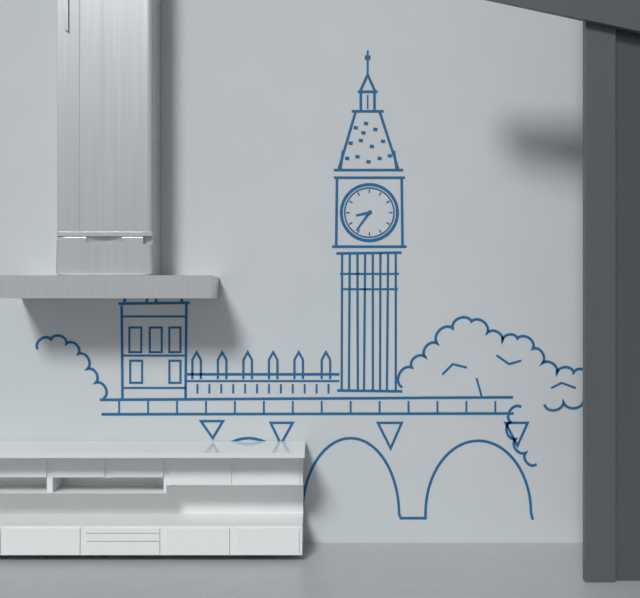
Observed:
{"hour": 8, "minute": 36}
